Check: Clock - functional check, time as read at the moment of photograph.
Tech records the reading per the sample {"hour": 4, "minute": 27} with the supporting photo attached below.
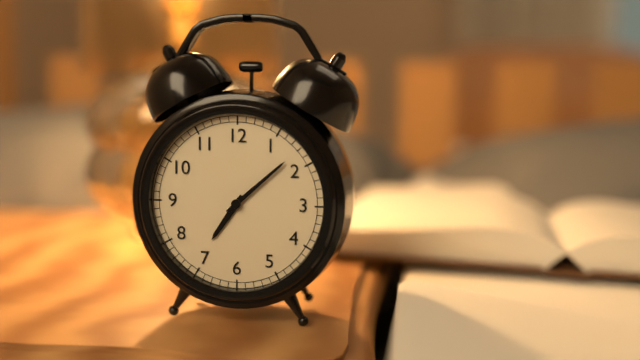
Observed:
{"hour": 7, "minute": 8}
